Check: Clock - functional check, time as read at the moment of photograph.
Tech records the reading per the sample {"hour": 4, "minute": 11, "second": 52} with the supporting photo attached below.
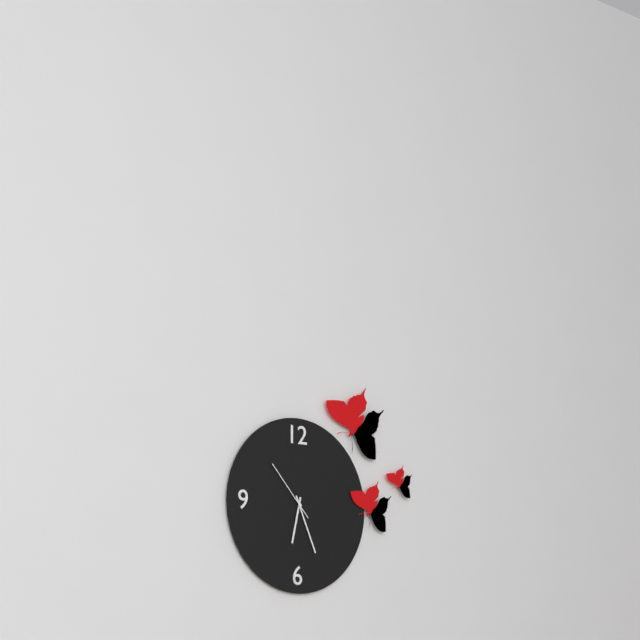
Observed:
{"hour": 6, "minute": 26, "second": 53}
